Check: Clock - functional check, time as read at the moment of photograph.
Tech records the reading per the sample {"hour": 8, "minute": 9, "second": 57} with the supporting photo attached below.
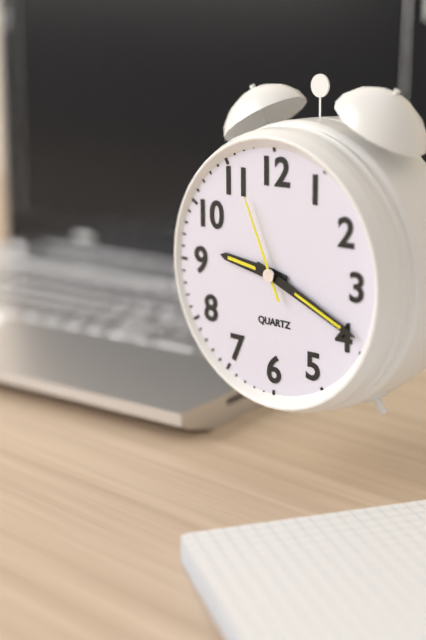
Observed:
{"hour": 9, "minute": 19, "second": 56}
